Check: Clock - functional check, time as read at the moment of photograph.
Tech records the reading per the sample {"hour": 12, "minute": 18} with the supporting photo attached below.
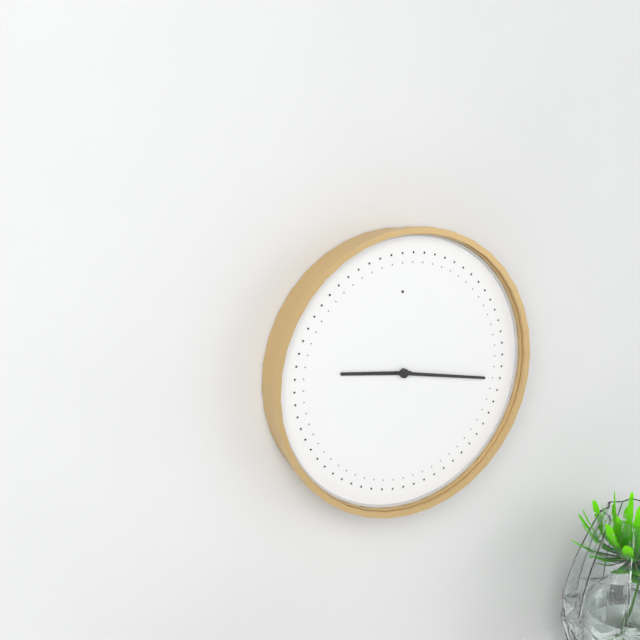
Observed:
{"hour": 9, "minute": 17}
